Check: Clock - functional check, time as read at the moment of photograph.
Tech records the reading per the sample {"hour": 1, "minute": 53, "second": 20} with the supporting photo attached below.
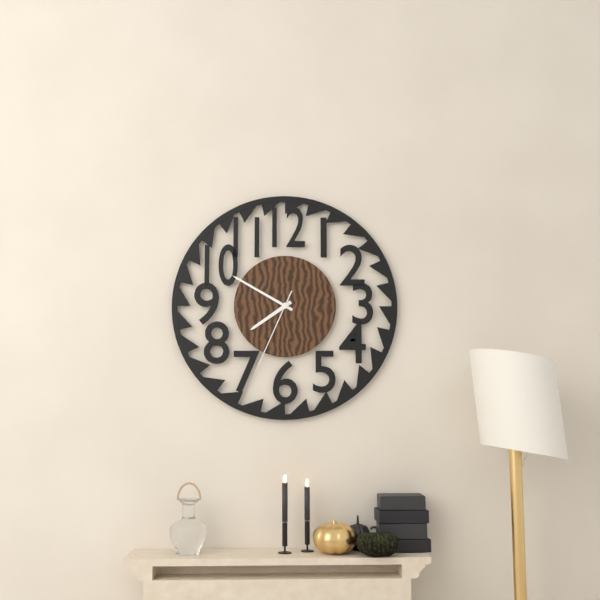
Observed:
{"hour": 7, "minute": 50, "second": 34}
